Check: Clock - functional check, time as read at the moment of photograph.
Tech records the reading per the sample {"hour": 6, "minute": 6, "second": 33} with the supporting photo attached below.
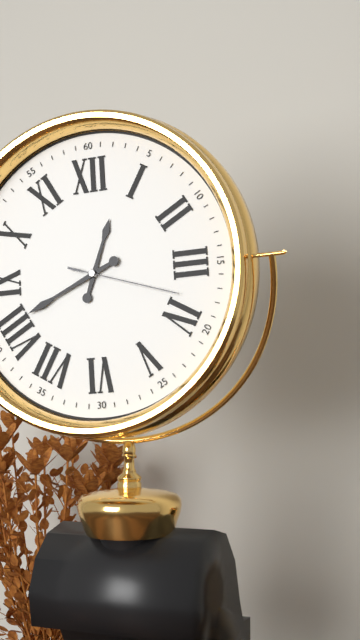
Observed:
{"hour": 12, "minute": 41, "second": 18}
